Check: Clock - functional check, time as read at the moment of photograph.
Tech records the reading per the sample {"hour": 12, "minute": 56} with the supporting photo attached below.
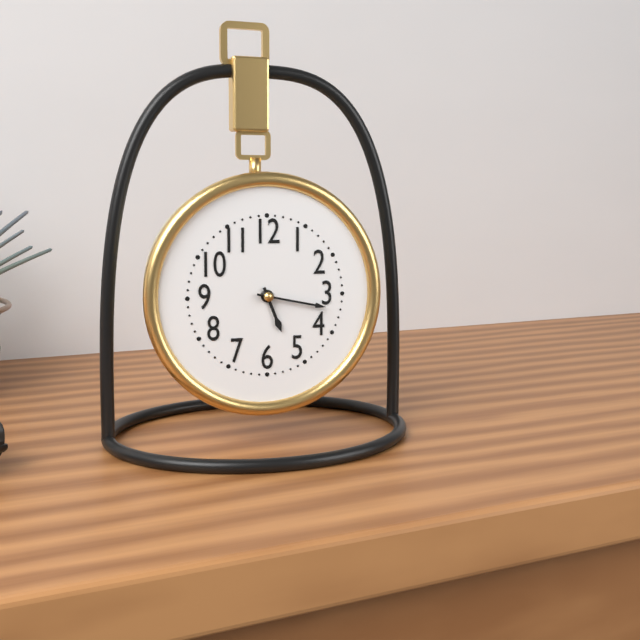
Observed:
{"hour": 5, "minute": 17}
